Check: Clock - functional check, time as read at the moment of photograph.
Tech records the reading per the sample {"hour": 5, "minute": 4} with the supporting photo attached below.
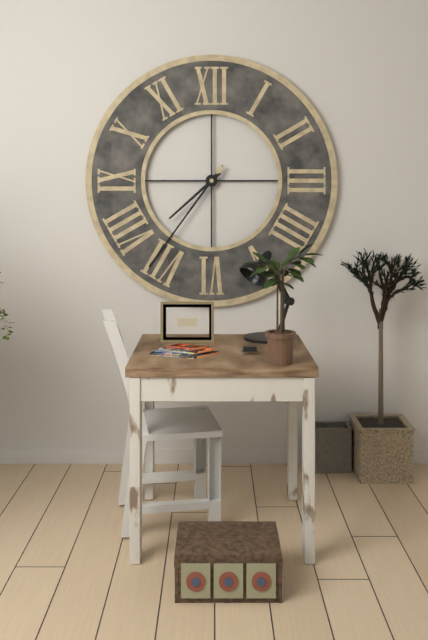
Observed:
{"hour": 7, "minute": 36}
